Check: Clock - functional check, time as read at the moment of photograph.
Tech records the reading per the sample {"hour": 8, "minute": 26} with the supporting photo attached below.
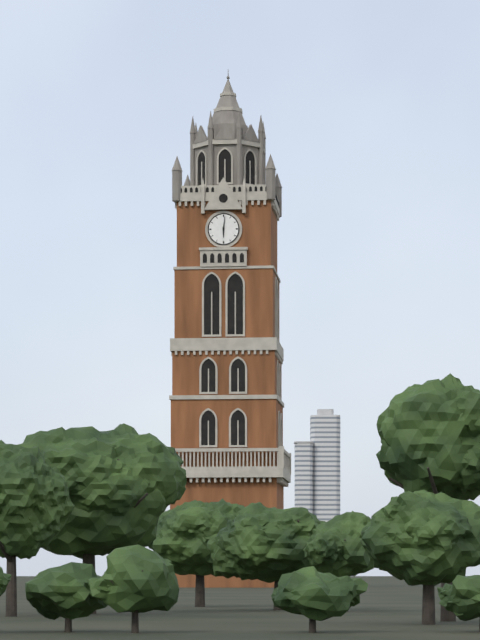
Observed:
{"hour": 6, "minute": 1}
